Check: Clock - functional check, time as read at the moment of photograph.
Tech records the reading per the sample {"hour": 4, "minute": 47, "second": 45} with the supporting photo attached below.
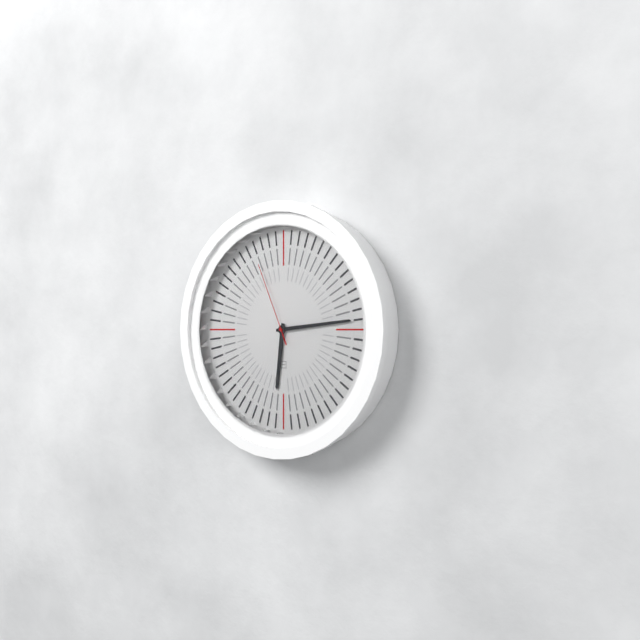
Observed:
{"hour": 6, "minute": 14, "second": 56}
